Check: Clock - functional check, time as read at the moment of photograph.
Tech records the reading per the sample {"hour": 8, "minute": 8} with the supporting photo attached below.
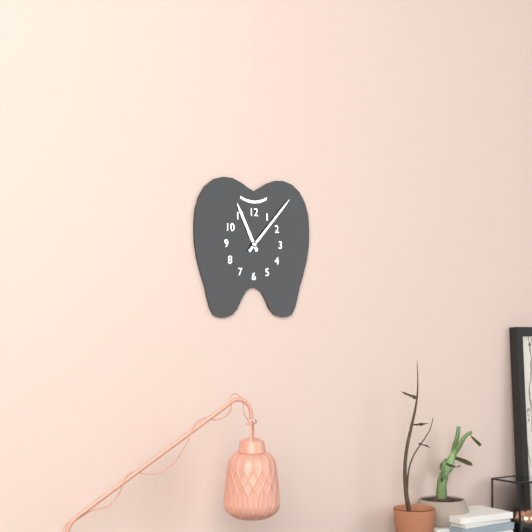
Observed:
{"hour": 11, "minute": 7}
